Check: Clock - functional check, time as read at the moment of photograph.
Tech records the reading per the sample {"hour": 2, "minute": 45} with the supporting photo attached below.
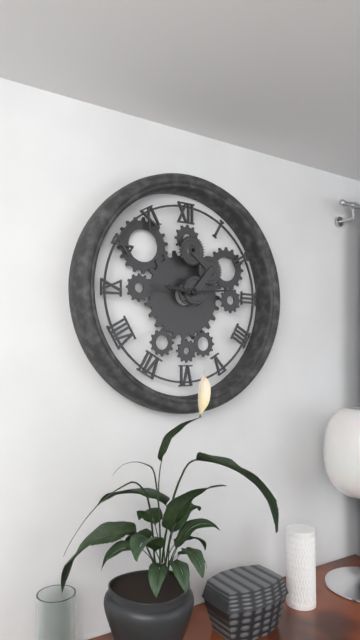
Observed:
{"hour": 9, "minute": 14}
